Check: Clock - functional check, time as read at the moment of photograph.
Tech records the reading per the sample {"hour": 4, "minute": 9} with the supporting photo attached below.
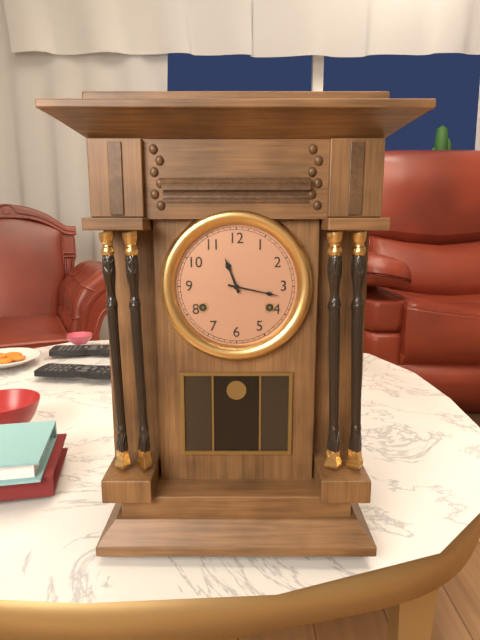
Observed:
{"hour": 11, "minute": 17}
